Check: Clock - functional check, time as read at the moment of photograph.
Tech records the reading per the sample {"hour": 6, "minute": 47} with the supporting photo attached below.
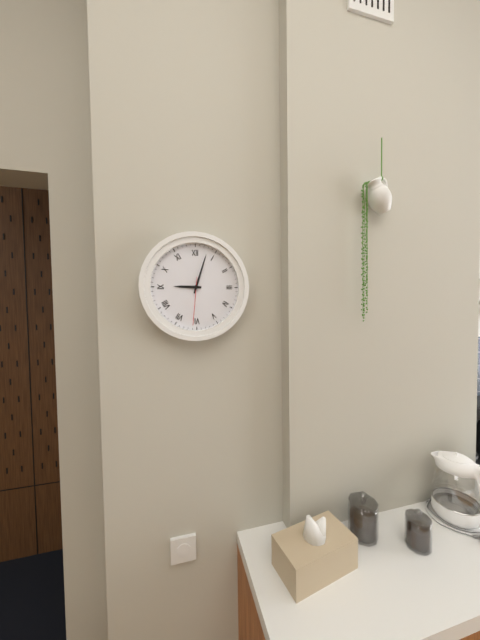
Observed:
{"hour": 9, "minute": 3}
